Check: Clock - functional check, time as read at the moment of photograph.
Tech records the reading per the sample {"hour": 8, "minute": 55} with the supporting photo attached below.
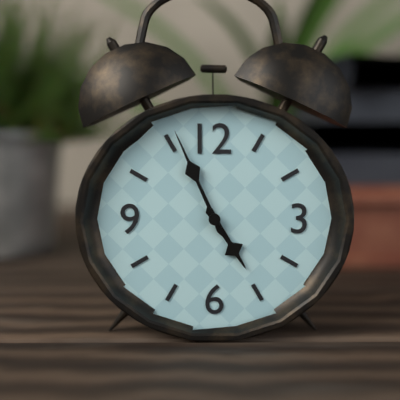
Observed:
{"hour": 4, "minute": 56}
